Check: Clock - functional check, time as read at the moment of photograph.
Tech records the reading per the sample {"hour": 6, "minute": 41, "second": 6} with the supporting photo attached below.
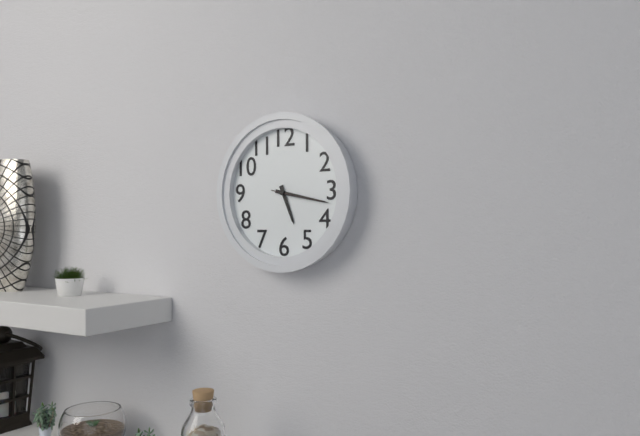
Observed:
{"hour": 5, "minute": 17, "second": 17}
